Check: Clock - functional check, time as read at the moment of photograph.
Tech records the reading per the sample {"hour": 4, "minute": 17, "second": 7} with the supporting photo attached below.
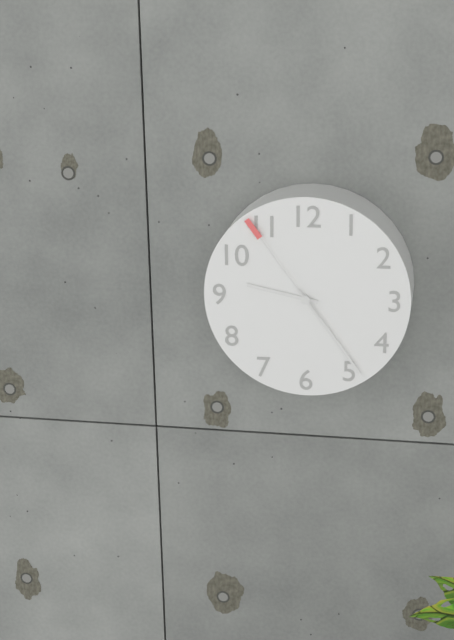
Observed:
{"hour": 9, "minute": 24, "second": 54}
